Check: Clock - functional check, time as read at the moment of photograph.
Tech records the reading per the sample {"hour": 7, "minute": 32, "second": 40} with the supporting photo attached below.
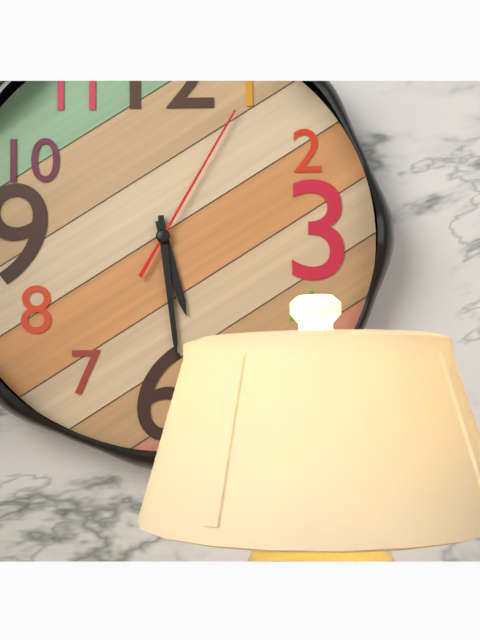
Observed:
{"hour": 5, "minute": 29, "second": 5}
